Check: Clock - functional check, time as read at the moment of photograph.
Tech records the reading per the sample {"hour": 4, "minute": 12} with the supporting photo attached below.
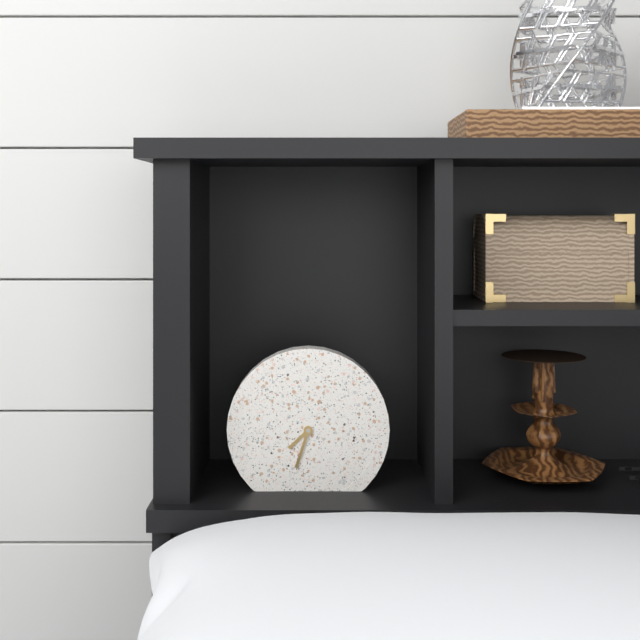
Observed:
{"hour": 7, "minute": 33}
